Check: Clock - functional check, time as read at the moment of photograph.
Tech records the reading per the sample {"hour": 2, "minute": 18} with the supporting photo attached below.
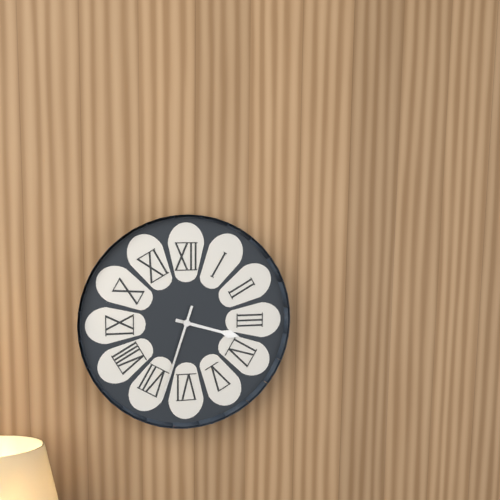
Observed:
{"hour": 3, "minute": 33}
